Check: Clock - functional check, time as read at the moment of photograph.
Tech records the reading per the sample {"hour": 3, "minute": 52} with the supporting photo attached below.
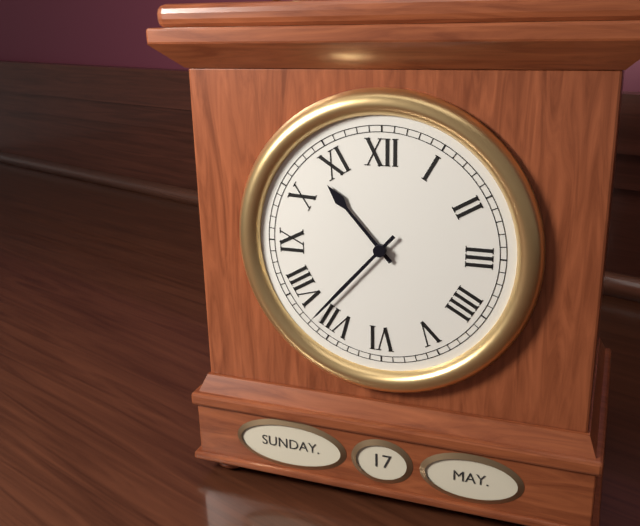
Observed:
{"hour": 10, "minute": 37}
